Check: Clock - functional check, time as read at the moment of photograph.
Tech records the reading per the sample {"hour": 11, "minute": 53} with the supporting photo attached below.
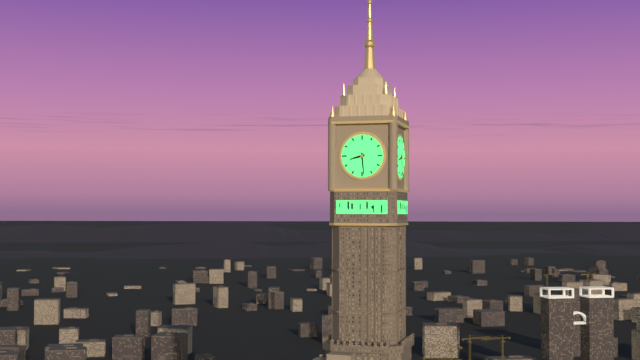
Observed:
{"hour": 8, "minute": 29}
